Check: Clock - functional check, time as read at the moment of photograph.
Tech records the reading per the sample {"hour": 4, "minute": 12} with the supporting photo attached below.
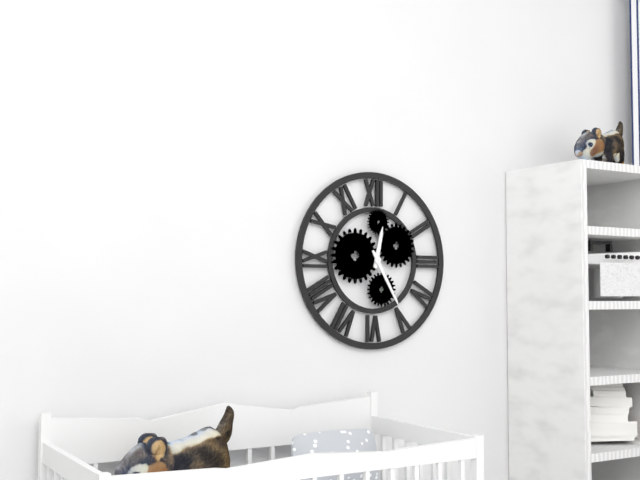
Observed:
{"hour": 12, "minute": 25}
